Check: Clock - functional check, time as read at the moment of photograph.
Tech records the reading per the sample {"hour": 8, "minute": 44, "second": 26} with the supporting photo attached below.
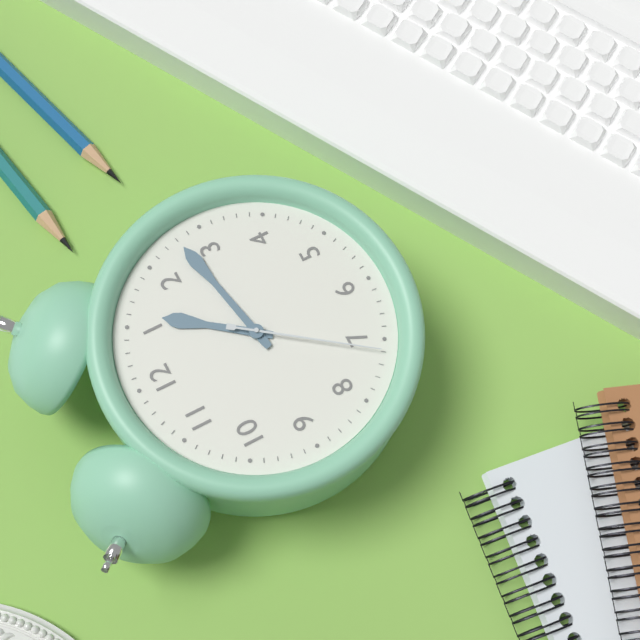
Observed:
{"hour": 1, "minute": 13, "second": 36}
